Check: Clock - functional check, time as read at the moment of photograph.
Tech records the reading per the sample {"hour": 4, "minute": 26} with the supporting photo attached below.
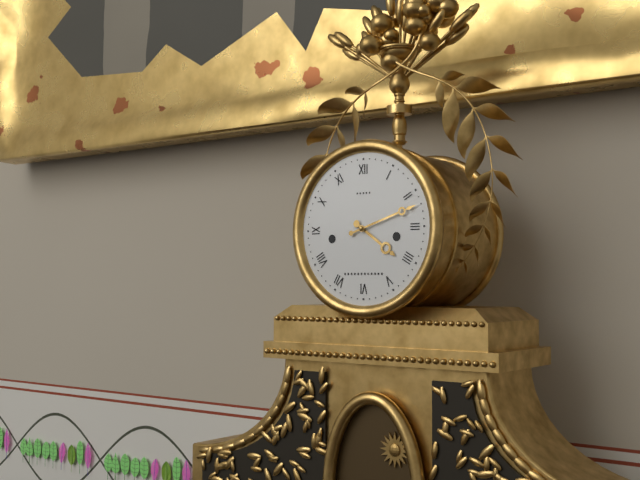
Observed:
{"hour": 4, "minute": 12}
